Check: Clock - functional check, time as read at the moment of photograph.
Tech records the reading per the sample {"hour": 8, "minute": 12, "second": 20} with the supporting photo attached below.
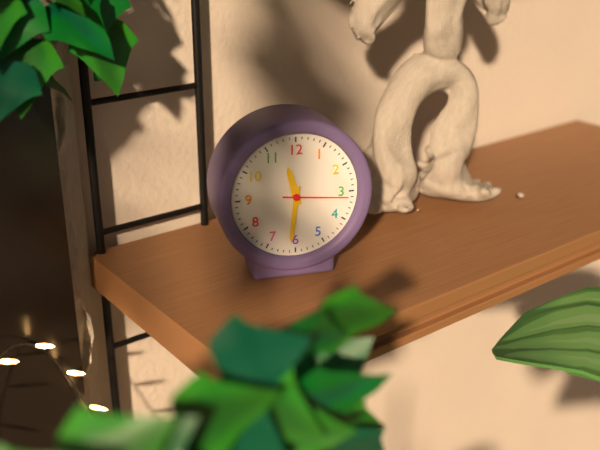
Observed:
{"hour": 11, "minute": 31, "second": 16}
